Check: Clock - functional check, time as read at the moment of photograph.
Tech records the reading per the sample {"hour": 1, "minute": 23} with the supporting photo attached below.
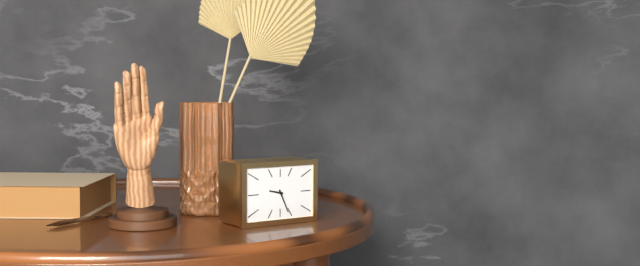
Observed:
{"hour": 9, "minute": 26}
